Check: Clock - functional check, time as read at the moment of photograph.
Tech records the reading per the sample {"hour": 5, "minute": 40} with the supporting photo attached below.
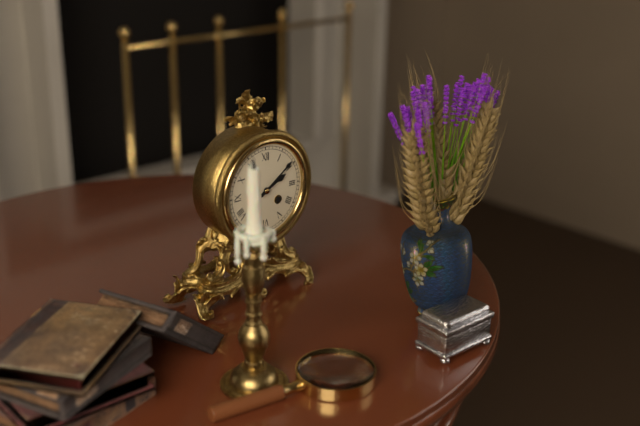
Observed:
{"hour": 2, "minute": 9}
